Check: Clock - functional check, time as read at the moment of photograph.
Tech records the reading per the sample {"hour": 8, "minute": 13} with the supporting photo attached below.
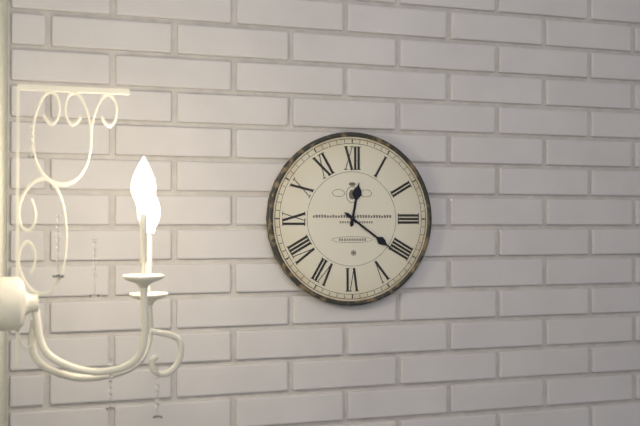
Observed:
{"hour": 12, "minute": 21}
